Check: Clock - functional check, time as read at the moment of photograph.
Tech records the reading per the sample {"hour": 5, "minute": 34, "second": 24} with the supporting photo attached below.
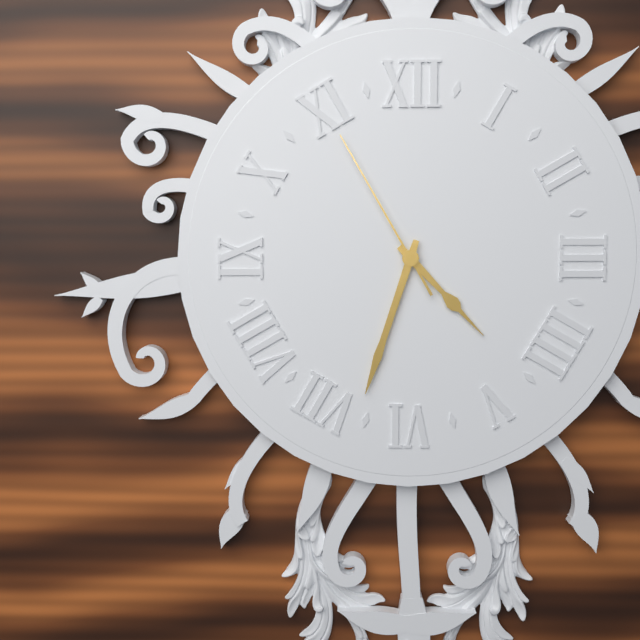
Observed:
{"hour": 4, "minute": 33, "second": 55}
